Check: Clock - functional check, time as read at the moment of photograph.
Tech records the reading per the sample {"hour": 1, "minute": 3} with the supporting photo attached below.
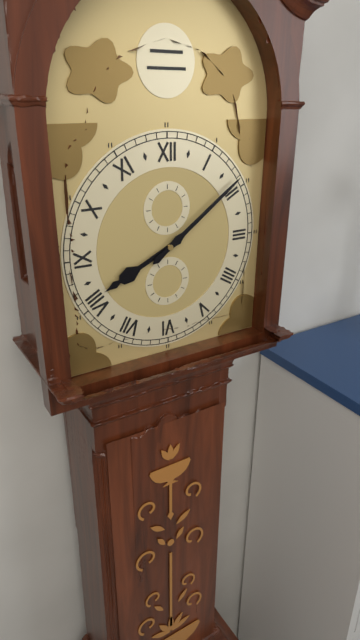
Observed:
{"hour": 8, "minute": 9}
